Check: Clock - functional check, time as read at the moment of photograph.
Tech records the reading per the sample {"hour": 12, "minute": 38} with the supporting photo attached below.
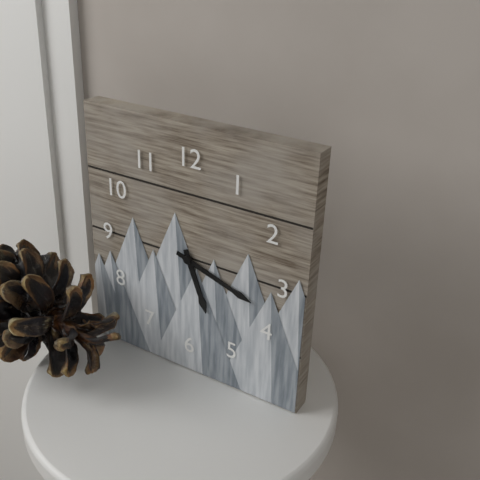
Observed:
{"hour": 5, "minute": 18}
